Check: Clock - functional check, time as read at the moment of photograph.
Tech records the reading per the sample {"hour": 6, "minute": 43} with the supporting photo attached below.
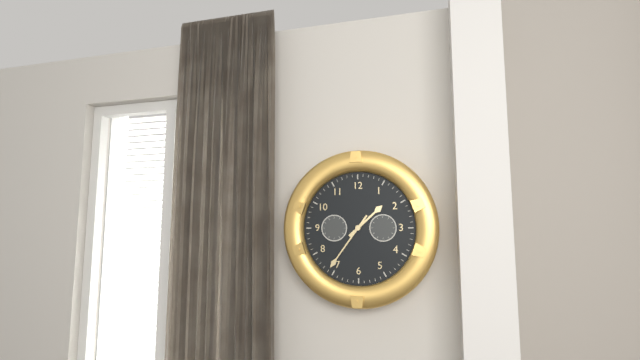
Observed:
{"hour": 1, "minute": 36}
